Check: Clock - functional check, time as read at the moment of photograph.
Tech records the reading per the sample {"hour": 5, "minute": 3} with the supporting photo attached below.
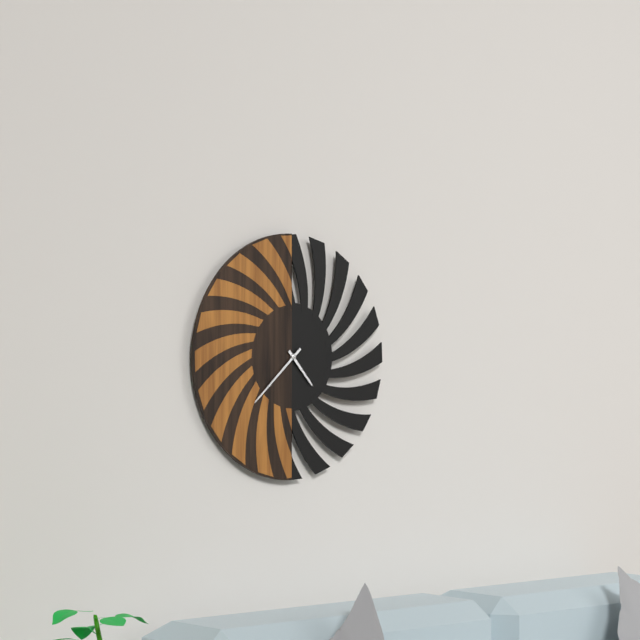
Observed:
{"hour": 4, "minute": 38}
